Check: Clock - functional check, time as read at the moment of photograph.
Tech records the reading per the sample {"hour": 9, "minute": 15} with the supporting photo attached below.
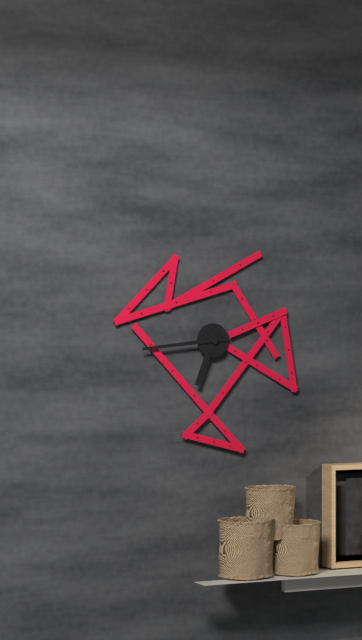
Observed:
{"hour": 6, "minute": 44}
